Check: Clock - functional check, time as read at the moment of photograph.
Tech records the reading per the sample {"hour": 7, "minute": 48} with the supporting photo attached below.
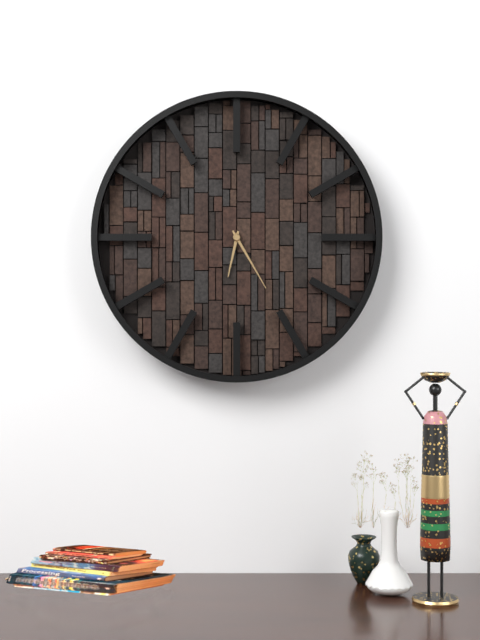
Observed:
{"hour": 6, "minute": 25}
